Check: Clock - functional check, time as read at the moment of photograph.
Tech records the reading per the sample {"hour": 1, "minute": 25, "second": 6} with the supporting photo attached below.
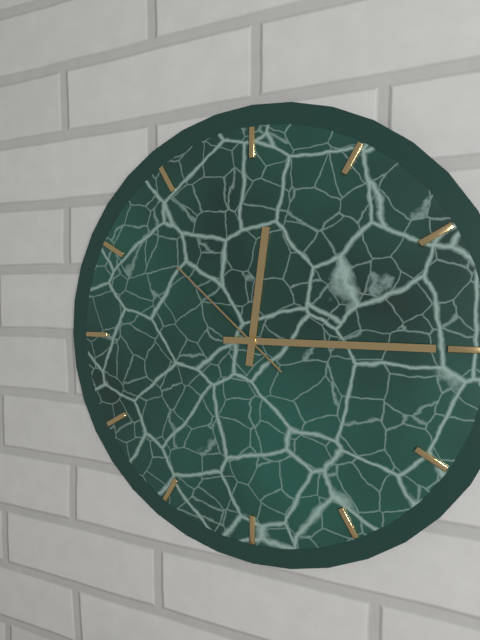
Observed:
{"hour": 12, "minute": 15, "second": 52}
